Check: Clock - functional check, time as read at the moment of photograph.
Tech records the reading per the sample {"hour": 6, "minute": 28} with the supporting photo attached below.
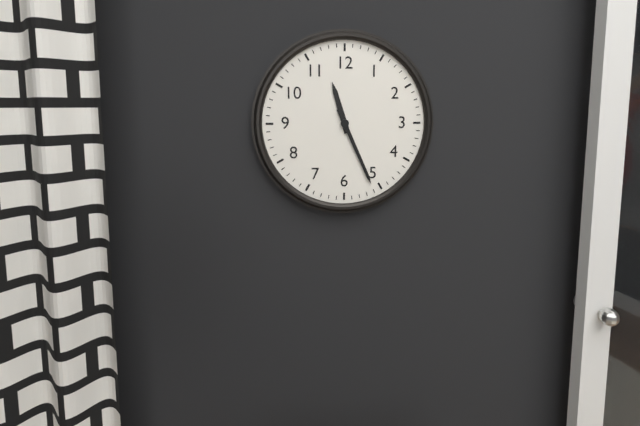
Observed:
{"hour": 11, "minute": 26}
